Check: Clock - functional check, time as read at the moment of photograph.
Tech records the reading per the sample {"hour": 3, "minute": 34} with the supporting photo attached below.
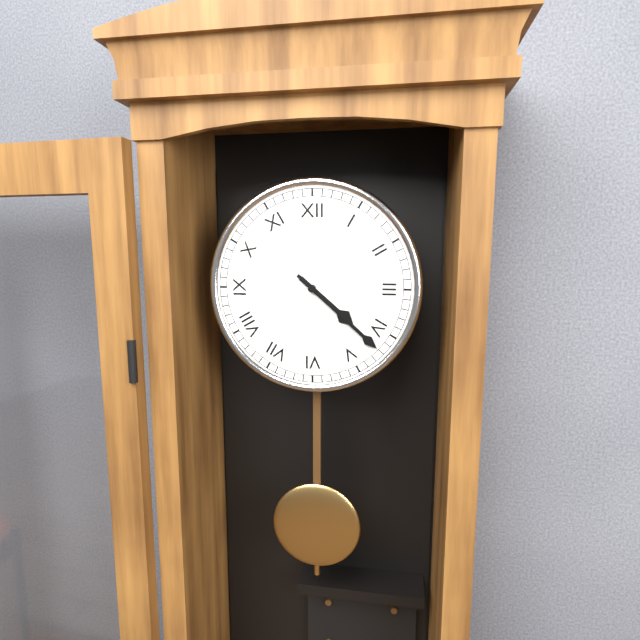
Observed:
{"hour": 4, "minute": 22}
